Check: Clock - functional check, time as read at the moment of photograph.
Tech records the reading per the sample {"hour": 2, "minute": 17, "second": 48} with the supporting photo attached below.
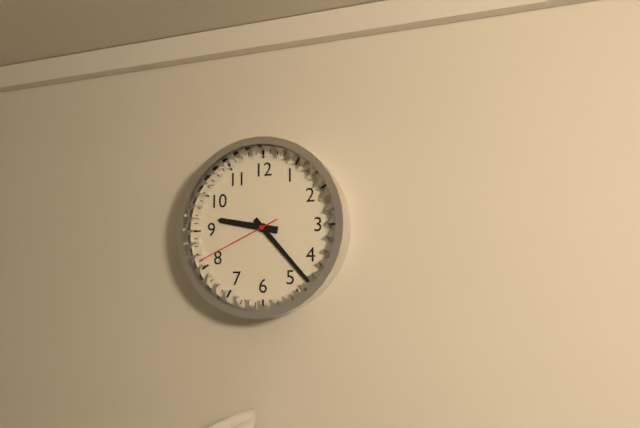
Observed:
{"hour": 9, "minute": 23, "second": 41}
